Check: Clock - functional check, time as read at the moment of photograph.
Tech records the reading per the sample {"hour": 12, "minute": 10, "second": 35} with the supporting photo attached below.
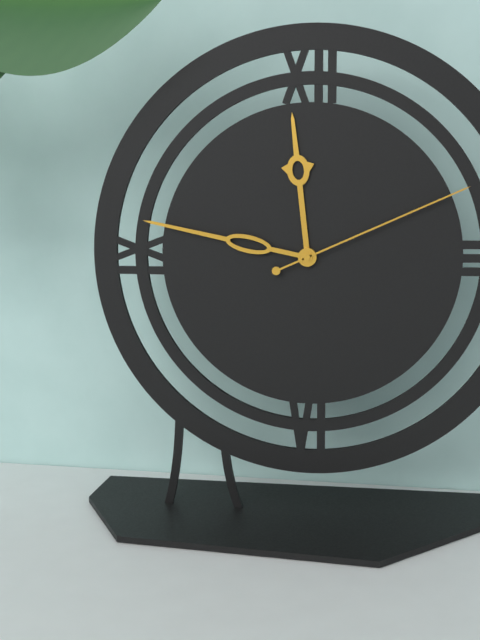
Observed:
{"hour": 11, "minute": 47, "second": 11}
